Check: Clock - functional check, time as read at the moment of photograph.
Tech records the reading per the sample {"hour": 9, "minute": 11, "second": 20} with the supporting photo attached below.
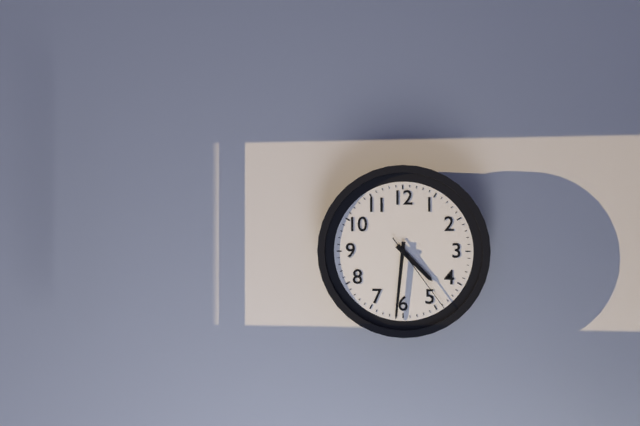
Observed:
{"hour": 4, "minute": 31, "second": 24}
